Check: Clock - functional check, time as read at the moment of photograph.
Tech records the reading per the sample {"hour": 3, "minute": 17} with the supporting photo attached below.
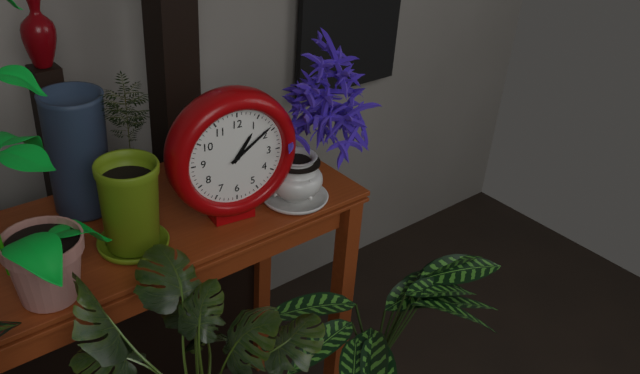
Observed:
{"hour": 1, "minute": 9}
